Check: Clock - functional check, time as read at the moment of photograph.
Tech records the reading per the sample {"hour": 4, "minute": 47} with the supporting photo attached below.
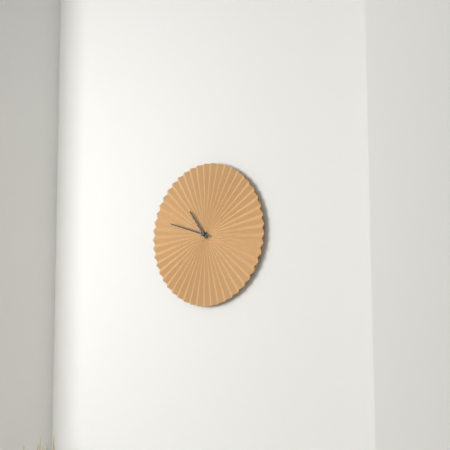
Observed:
{"hour": 10, "minute": 48}
